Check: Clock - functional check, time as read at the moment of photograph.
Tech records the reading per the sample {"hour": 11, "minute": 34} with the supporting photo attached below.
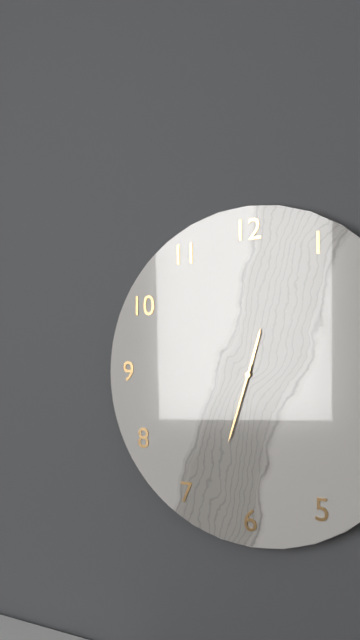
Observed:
{"hour": 12, "minute": 33}
